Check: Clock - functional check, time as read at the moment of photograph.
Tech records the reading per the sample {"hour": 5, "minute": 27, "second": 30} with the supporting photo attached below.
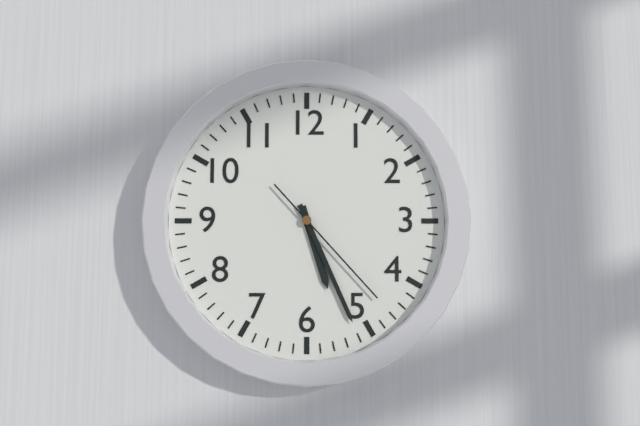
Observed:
{"hour": 5, "minute": 26, "second": 23}
